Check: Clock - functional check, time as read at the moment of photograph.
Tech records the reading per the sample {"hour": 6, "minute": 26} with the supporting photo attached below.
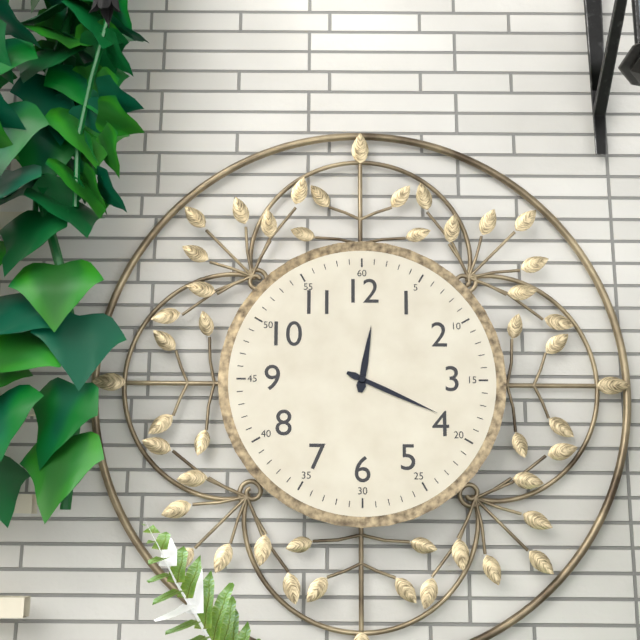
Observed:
{"hour": 12, "minute": 19}
